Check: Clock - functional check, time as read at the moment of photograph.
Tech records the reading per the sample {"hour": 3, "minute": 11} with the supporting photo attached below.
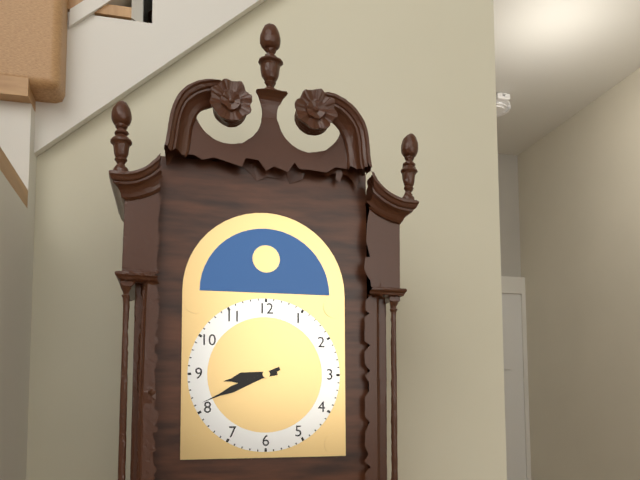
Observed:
{"hour": 8, "minute": 41}
